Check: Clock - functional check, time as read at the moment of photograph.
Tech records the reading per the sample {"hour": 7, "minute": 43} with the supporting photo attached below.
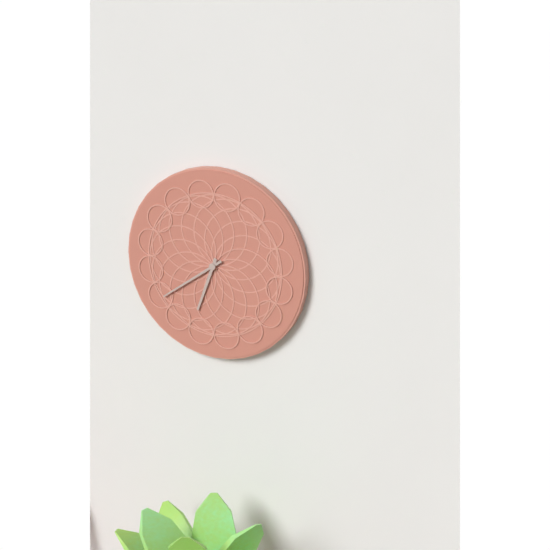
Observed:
{"hour": 6, "minute": 39}
